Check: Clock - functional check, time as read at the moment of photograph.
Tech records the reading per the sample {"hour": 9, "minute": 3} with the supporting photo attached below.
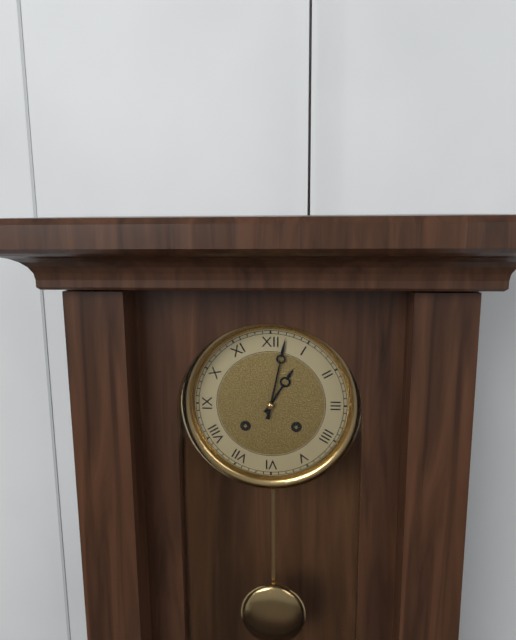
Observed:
{"hour": 1, "minute": 2}
